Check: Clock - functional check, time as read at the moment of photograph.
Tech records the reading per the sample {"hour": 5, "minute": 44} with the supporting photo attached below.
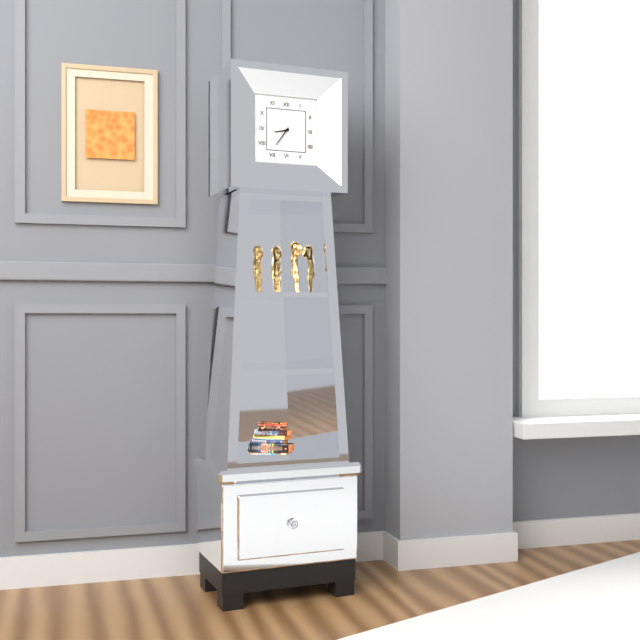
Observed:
{"hour": 8, "minute": 36}
